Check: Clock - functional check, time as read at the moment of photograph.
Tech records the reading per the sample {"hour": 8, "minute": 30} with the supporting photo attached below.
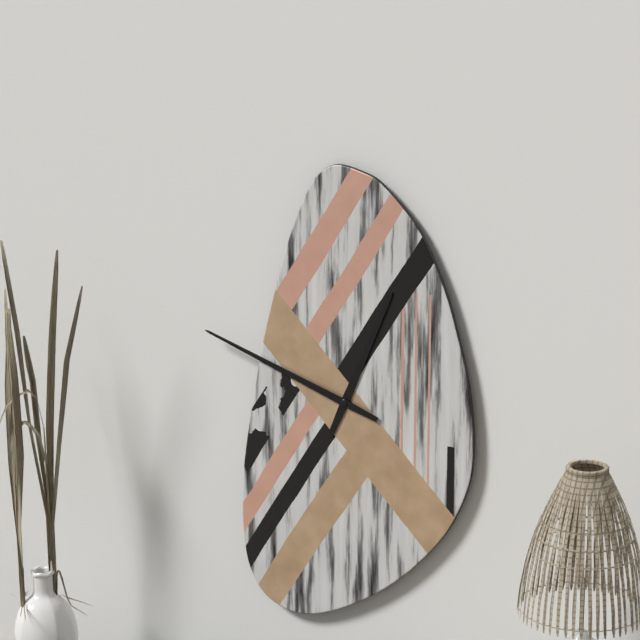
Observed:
{"hour": 12, "minute": 48}
